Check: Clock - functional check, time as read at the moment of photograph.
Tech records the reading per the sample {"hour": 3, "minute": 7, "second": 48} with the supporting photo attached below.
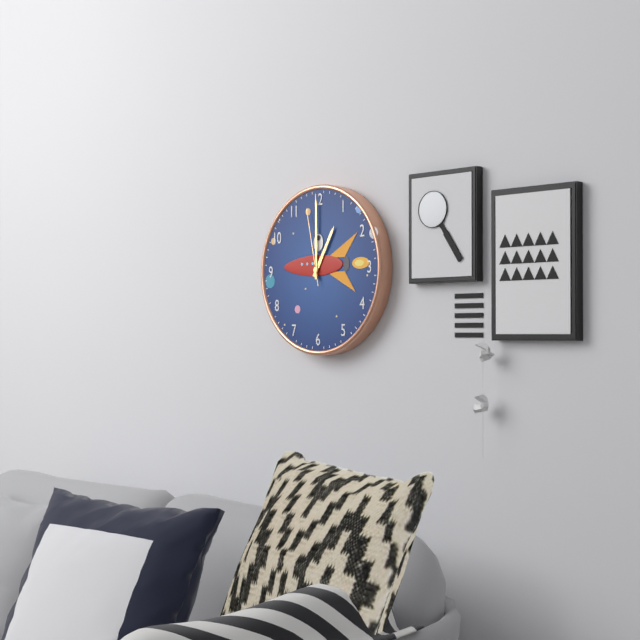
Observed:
{"hour": 1, "minute": 0, "second": 58}
